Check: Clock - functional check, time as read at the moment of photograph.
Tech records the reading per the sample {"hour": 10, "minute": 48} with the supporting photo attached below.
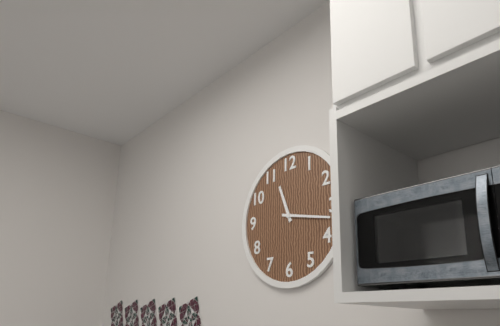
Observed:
{"hour": 11, "minute": 17}
